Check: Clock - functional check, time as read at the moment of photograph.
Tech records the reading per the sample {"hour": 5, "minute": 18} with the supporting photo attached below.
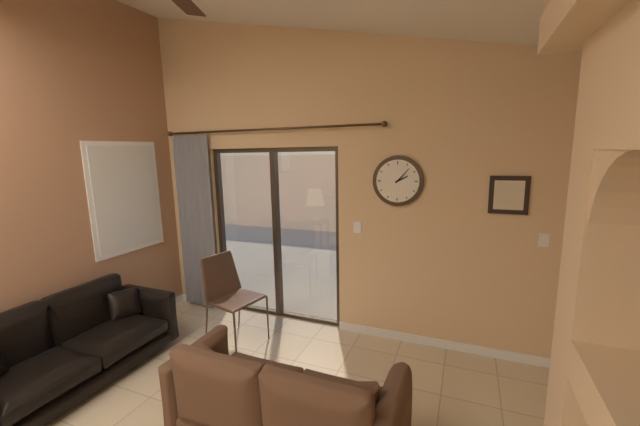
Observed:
{"hour": 2, "minute": 7}
